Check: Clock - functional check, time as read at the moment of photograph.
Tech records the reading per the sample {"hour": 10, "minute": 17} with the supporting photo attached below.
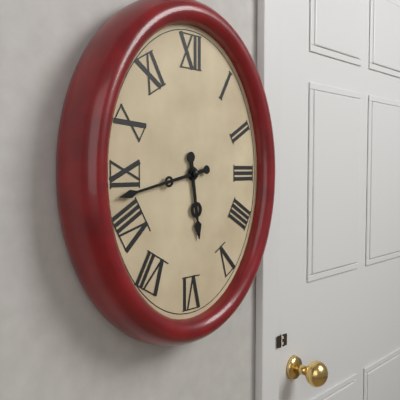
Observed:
{"hour": 5, "minute": 43}
